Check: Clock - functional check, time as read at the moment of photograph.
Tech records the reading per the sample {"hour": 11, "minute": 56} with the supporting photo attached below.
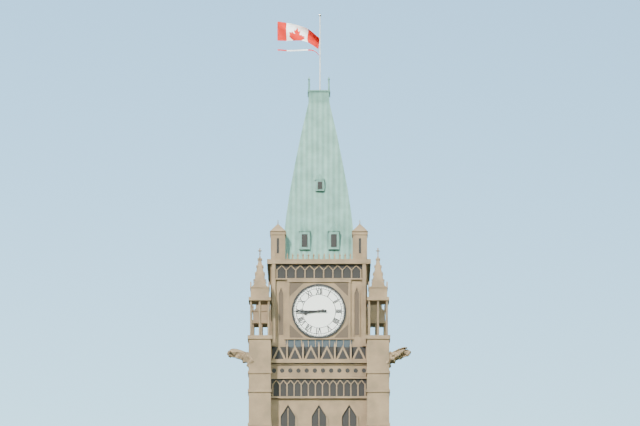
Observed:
{"hour": 8, "minute": 45}
